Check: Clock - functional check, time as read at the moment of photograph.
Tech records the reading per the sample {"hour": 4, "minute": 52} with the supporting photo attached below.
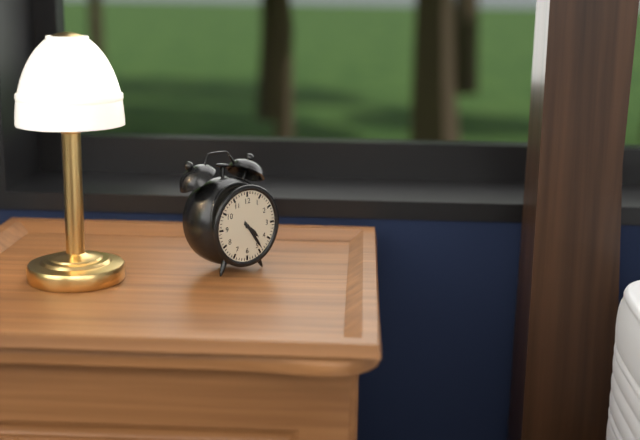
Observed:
{"hour": 4, "minute": 24}
